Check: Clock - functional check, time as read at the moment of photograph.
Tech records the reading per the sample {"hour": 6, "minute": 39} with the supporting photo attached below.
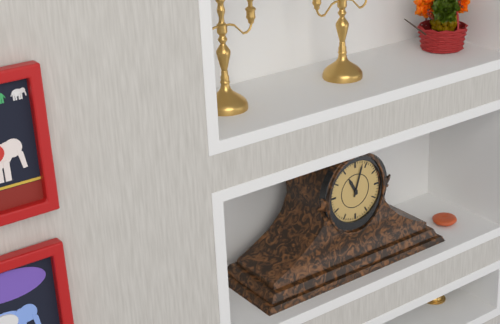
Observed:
{"hour": 11, "minute": 3}
